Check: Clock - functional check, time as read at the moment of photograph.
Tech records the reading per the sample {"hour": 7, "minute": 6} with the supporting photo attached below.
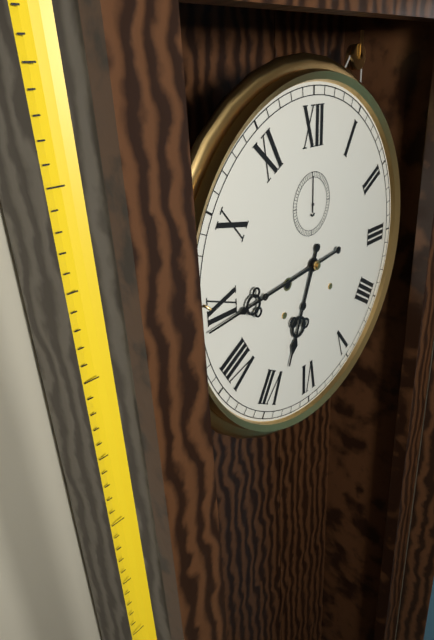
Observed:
{"hour": 6, "minute": 44}
